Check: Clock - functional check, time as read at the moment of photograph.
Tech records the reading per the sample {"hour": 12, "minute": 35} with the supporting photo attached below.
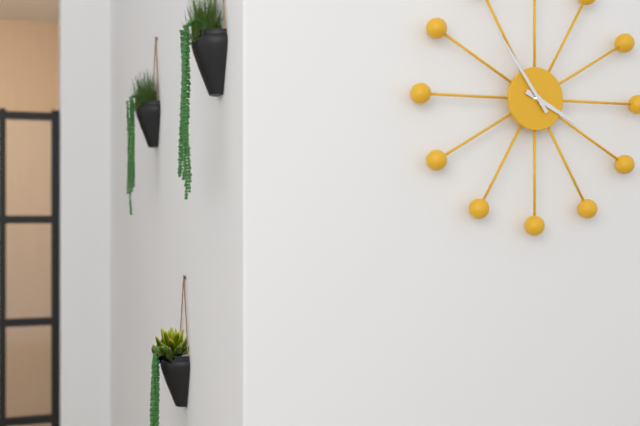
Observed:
{"hour": 3, "minute": 54}
